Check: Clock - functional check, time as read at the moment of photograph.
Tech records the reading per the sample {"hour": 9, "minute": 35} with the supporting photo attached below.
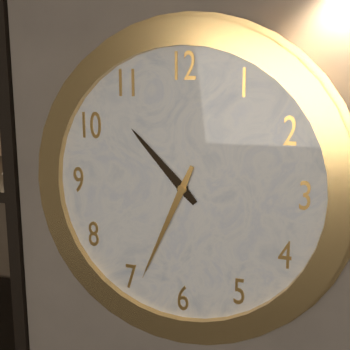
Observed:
{"hour": 10, "minute": 34}
